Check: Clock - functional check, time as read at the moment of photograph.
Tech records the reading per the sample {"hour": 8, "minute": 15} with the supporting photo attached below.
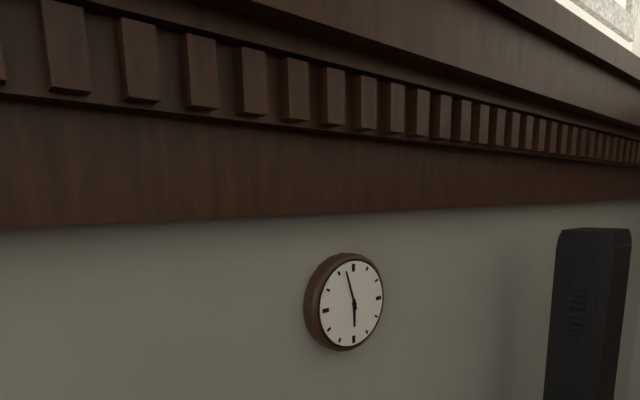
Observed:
{"hour": 5, "minute": 57}
